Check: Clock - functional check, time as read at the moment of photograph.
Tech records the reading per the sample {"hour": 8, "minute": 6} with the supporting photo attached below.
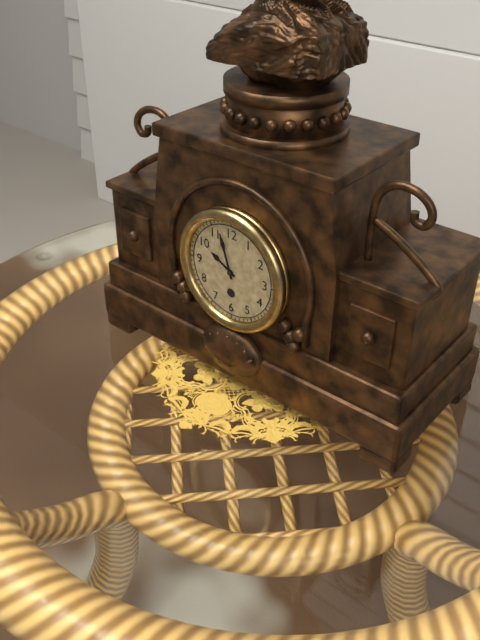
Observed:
{"hour": 9, "minute": 57}
